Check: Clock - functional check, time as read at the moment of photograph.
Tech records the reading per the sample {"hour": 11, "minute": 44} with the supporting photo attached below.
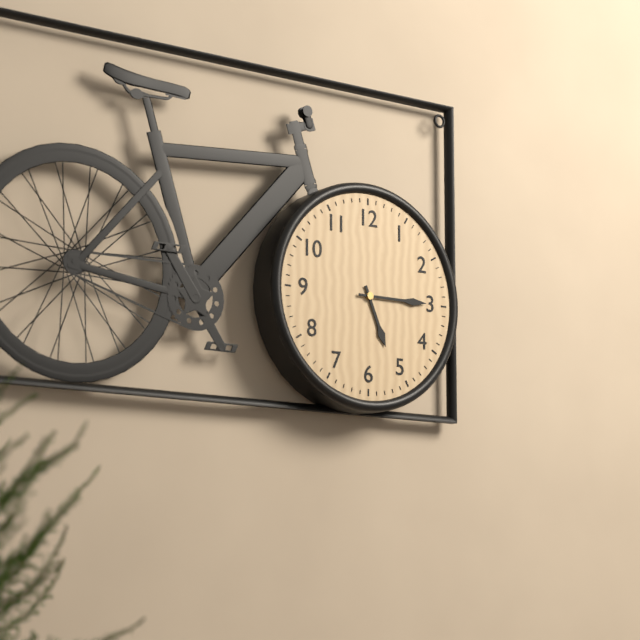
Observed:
{"hour": 5, "minute": 15}
